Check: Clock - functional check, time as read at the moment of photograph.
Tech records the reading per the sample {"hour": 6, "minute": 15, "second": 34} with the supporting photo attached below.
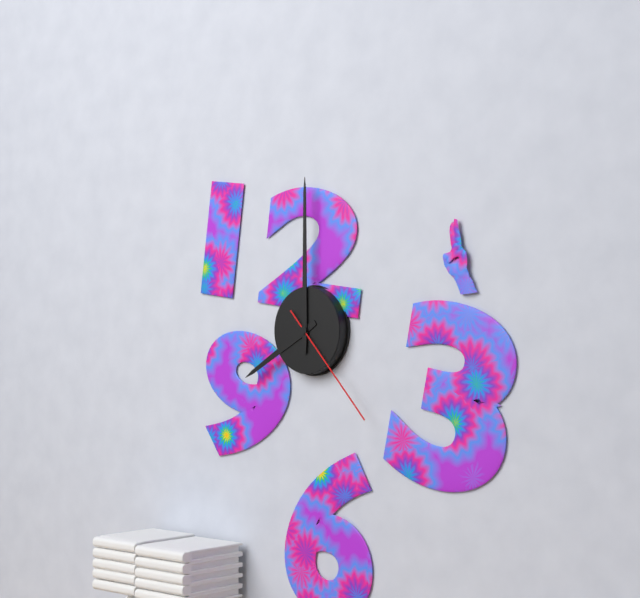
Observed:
{"hour": 8, "minute": 0, "second": 23}
